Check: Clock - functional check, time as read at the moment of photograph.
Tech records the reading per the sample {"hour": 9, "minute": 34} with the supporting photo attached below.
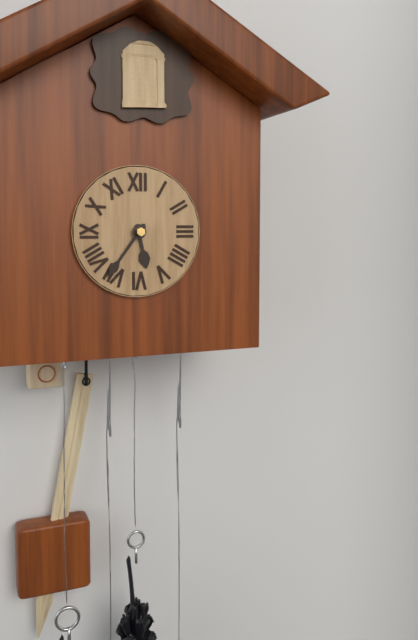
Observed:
{"hour": 5, "minute": 36}
